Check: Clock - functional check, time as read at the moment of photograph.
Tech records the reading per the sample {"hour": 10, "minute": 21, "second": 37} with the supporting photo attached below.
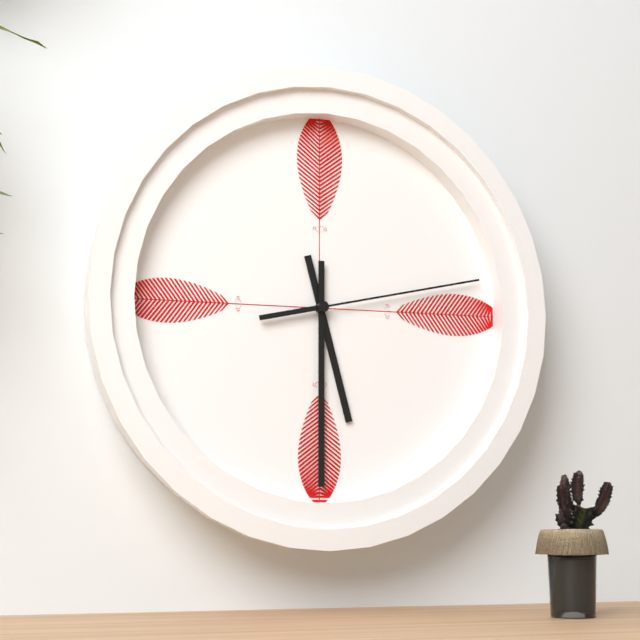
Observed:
{"hour": 5, "minute": 30, "second": 13}
